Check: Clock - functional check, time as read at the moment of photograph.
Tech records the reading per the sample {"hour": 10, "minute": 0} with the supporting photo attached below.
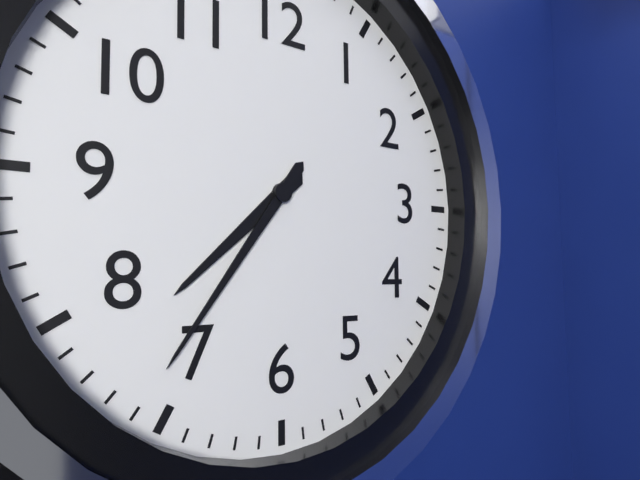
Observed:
{"hour": 7, "minute": 36}
